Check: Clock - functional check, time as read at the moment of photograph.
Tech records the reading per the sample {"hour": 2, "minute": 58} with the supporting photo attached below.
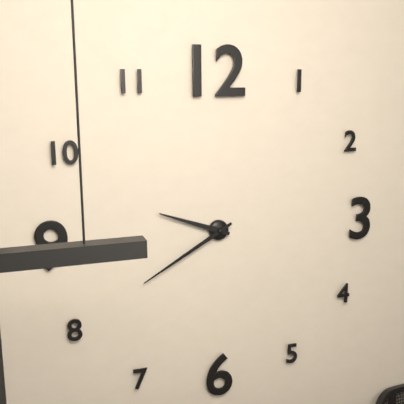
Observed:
{"hour": 9, "minute": 40}
